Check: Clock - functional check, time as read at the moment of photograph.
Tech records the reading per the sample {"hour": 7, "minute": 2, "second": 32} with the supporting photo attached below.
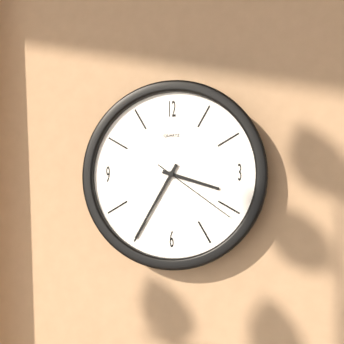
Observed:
{"hour": 3, "minute": 35, "second": 21}
